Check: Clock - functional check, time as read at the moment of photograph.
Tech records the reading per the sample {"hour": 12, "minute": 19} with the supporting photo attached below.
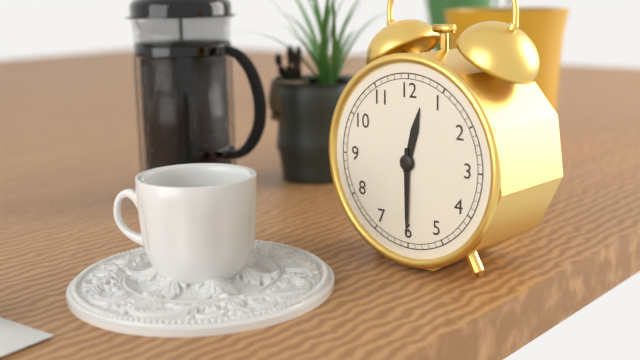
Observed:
{"hour": 12, "minute": 30}
